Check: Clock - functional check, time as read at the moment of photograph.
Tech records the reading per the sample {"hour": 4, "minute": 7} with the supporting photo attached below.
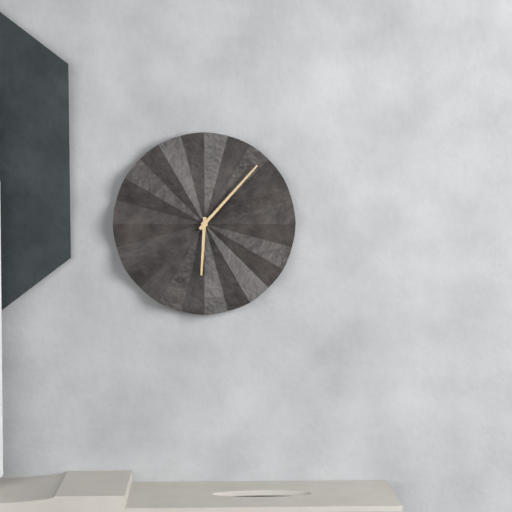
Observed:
{"hour": 6, "minute": 7}
